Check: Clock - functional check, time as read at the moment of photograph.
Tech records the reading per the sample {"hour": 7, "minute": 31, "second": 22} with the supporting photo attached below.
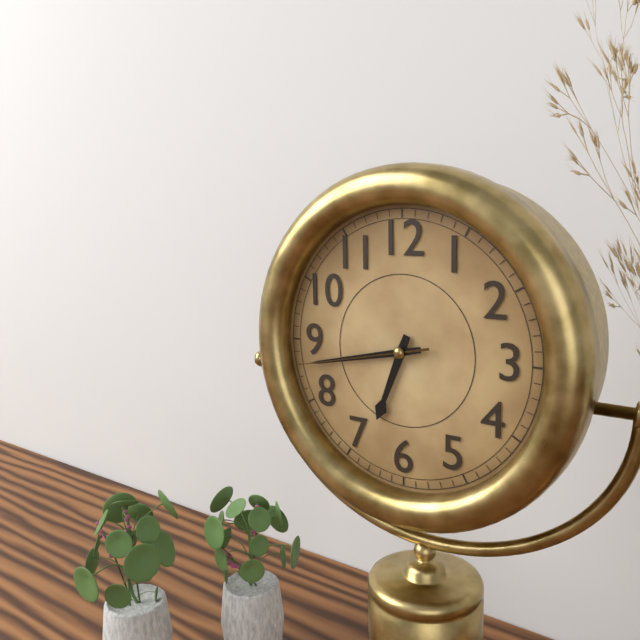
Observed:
{"hour": 6, "minute": 43, "second": 43}
